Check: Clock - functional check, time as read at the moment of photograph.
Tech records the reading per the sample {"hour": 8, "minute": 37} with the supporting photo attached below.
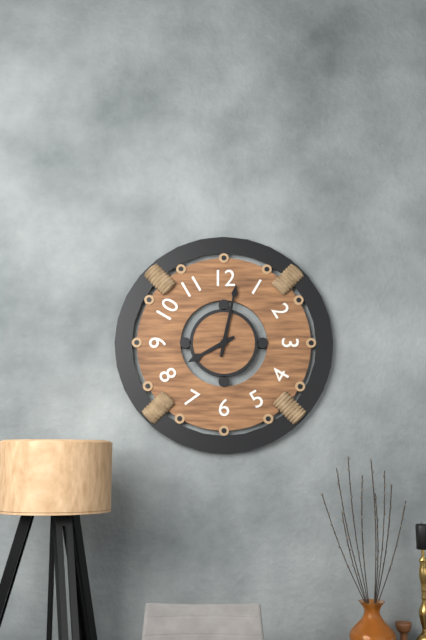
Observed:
{"hour": 8, "minute": 2}
